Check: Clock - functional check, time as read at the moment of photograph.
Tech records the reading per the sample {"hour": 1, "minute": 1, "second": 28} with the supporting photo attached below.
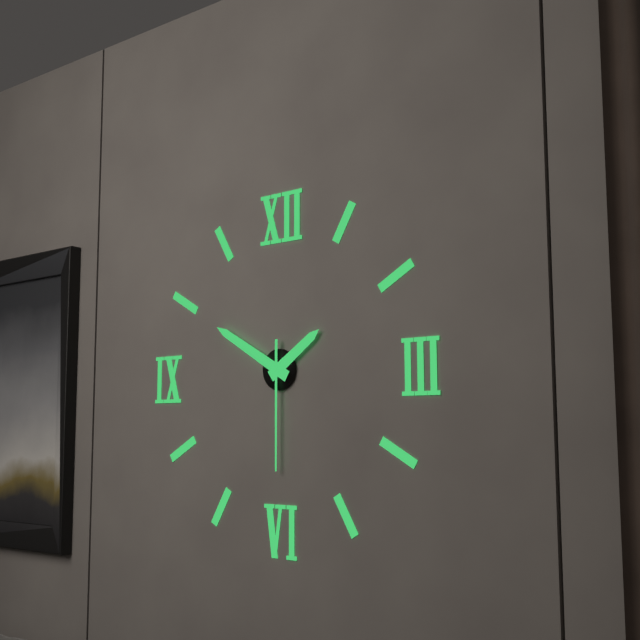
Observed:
{"hour": 1, "minute": 50, "second": 30}
